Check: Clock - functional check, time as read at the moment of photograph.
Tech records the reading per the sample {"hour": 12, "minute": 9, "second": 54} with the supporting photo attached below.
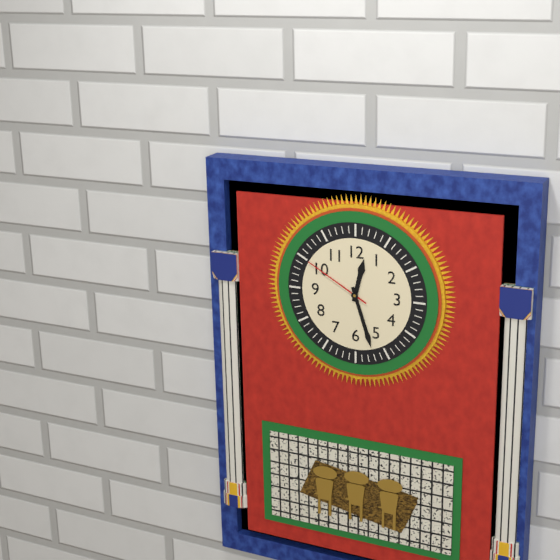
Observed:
{"hour": 12, "minute": 27, "second": 50}
